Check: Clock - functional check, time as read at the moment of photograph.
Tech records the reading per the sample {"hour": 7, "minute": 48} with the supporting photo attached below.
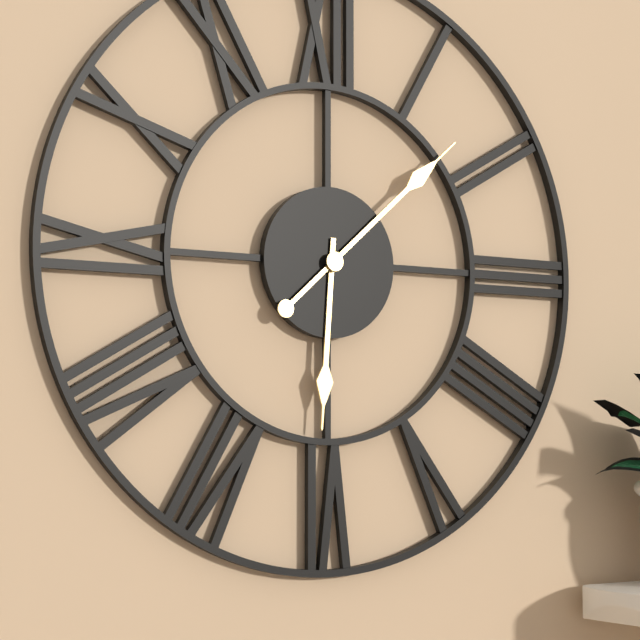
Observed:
{"hour": 6, "minute": 8}
